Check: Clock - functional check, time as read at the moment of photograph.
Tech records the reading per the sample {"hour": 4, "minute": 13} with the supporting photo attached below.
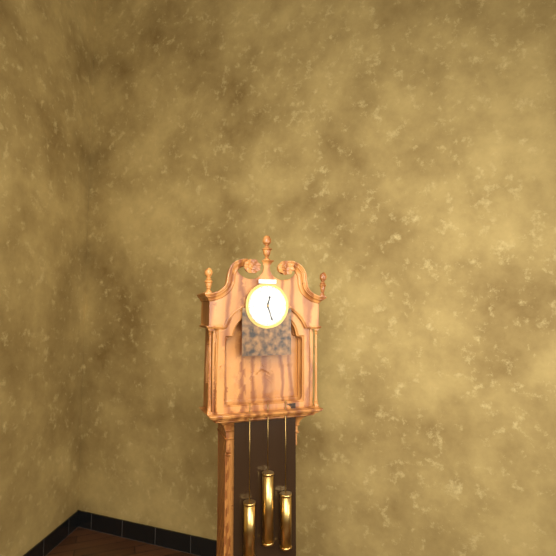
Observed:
{"hour": 12, "minute": 27}
